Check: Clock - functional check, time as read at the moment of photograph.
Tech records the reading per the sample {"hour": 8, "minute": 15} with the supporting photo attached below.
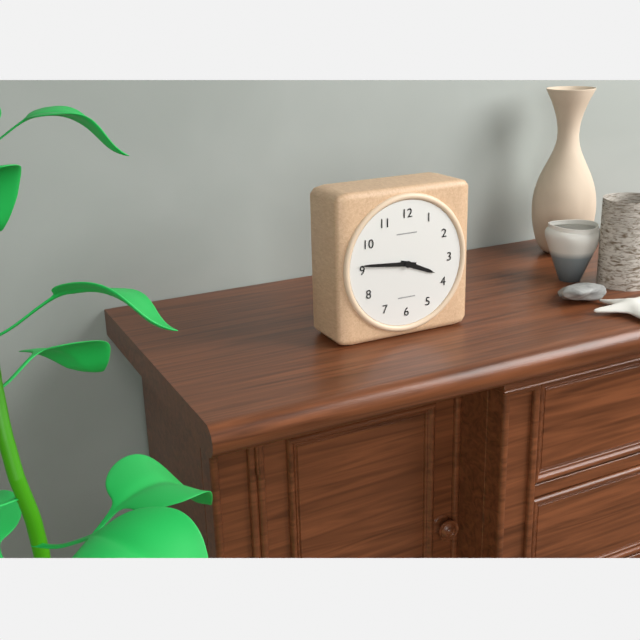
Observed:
{"hour": 3, "minute": 46}
